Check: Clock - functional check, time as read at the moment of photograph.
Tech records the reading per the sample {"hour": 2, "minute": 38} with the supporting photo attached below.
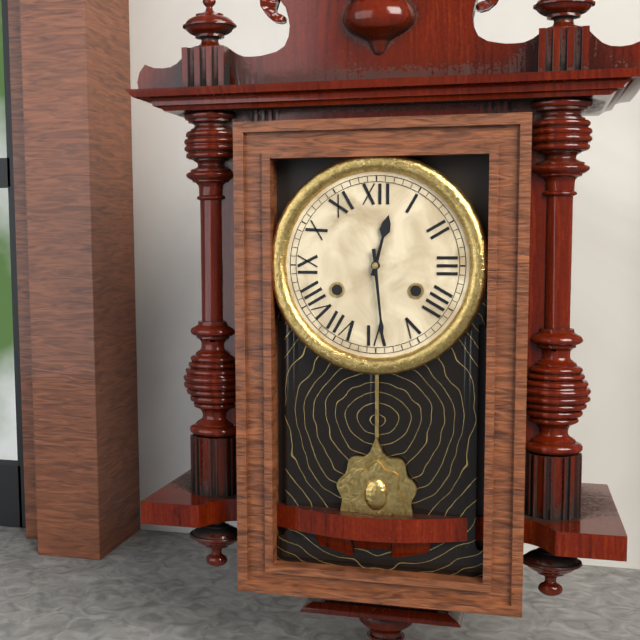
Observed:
{"hour": 12, "minute": 29}
